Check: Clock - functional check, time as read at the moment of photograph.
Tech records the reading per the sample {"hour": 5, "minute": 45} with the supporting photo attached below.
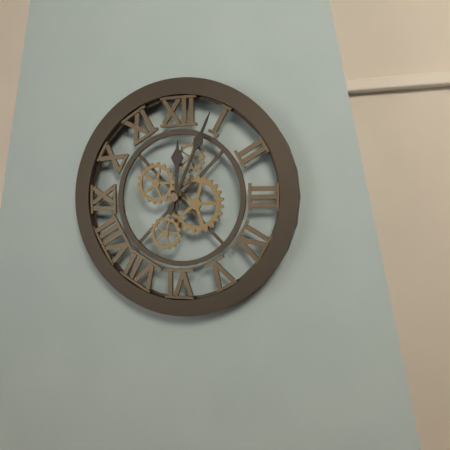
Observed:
{"hour": 12, "minute": 4}
